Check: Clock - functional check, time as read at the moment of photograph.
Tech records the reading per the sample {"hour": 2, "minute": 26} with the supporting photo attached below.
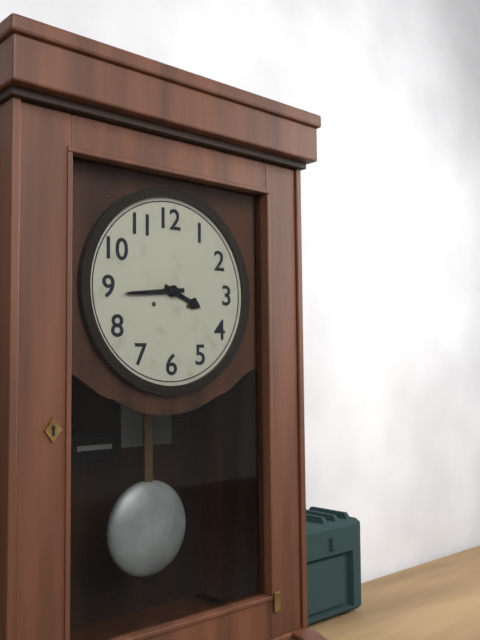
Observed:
{"hour": 3, "minute": 44}
